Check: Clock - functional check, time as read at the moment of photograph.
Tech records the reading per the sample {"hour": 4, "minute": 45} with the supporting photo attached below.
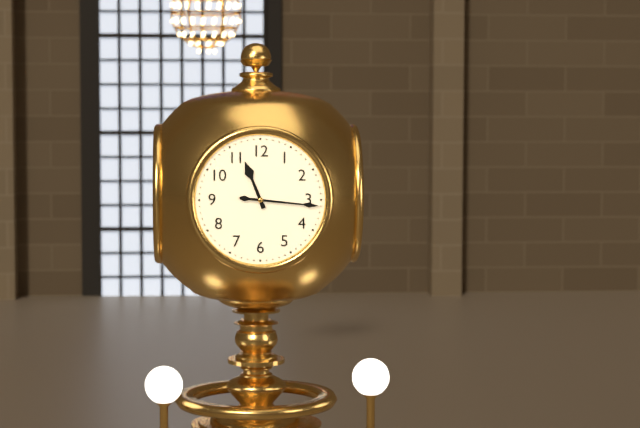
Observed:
{"hour": 11, "minute": 16}
